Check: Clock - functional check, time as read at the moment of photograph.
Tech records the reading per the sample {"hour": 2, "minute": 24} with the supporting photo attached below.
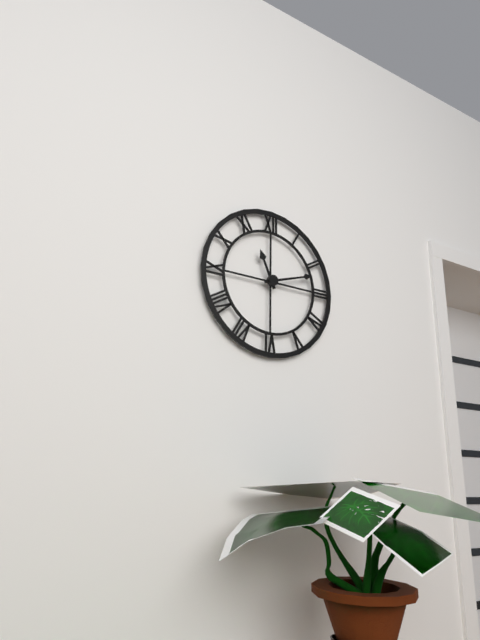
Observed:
{"hour": 11, "minute": 12}
